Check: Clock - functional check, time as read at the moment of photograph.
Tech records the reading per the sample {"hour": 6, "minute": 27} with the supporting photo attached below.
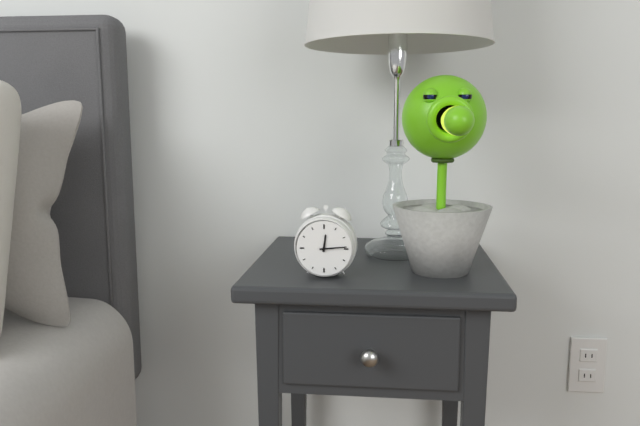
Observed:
{"hour": 12, "minute": 14}
